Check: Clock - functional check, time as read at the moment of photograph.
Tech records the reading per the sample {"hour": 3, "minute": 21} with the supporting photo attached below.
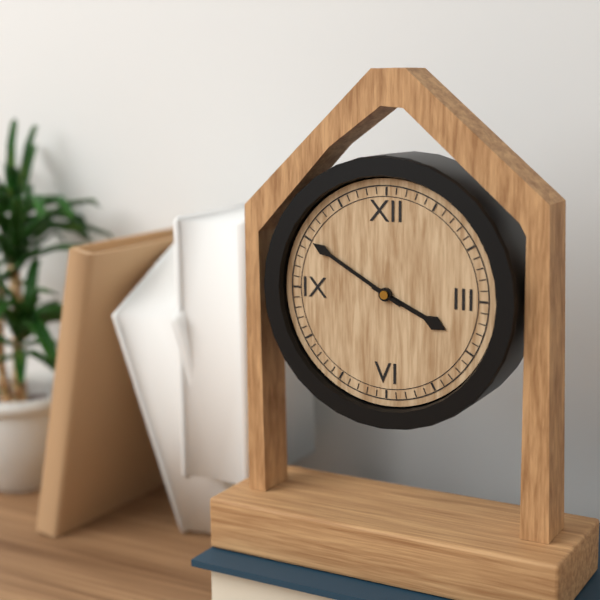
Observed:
{"hour": 3, "minute": 50}
